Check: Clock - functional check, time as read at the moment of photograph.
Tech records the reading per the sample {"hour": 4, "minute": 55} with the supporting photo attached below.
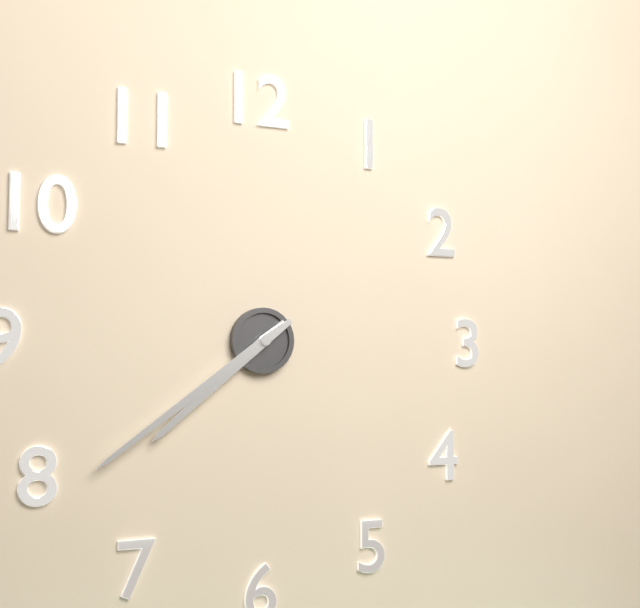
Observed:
{"hour": 7, "minute": 39}
